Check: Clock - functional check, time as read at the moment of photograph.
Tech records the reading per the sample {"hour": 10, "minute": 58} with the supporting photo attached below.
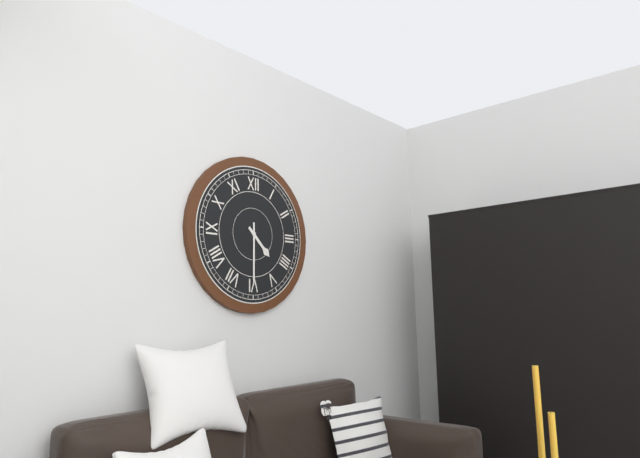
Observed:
{"hour": 4, "minute": 30}
